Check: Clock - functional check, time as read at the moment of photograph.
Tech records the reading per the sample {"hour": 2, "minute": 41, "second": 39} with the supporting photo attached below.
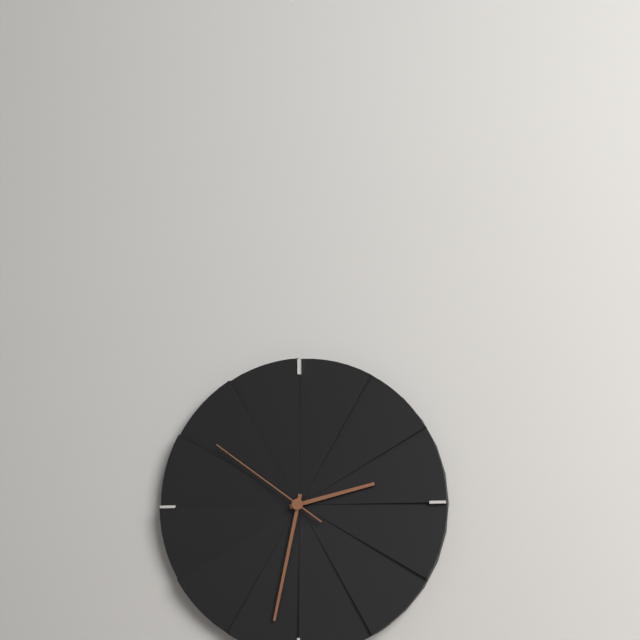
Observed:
{"hour": 2, "minute": 32, "second": 51}
